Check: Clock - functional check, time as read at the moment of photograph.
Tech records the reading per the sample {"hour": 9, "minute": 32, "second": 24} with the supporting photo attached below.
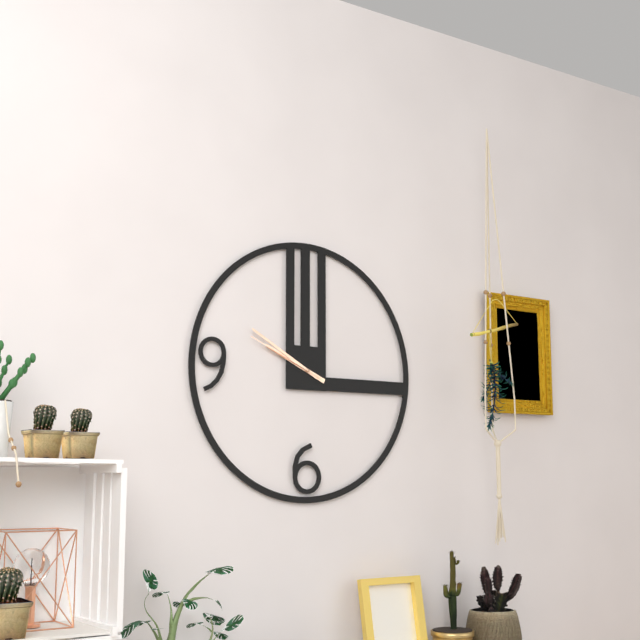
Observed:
{"hour": 9, "minute": 50, "second": 49}
